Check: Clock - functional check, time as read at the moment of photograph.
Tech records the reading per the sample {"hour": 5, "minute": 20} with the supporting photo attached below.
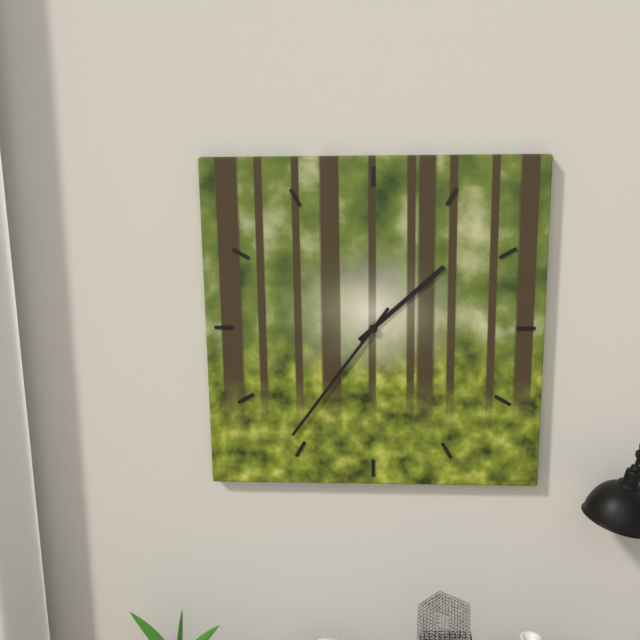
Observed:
{"hour": 1, "minute": 36}
